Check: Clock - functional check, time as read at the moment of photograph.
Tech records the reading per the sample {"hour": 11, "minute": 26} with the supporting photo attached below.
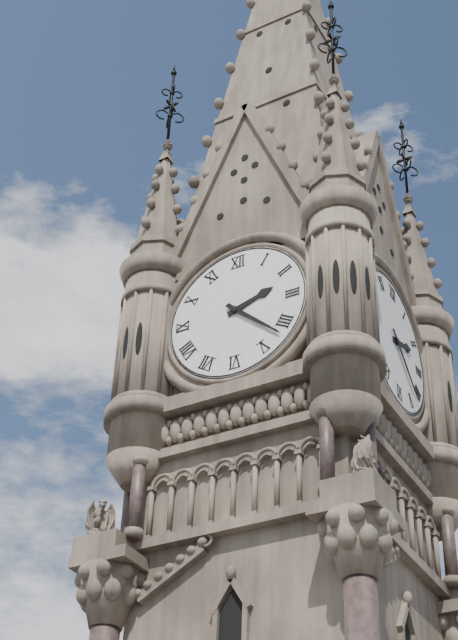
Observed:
{"hour": 2, "minute": 22}
